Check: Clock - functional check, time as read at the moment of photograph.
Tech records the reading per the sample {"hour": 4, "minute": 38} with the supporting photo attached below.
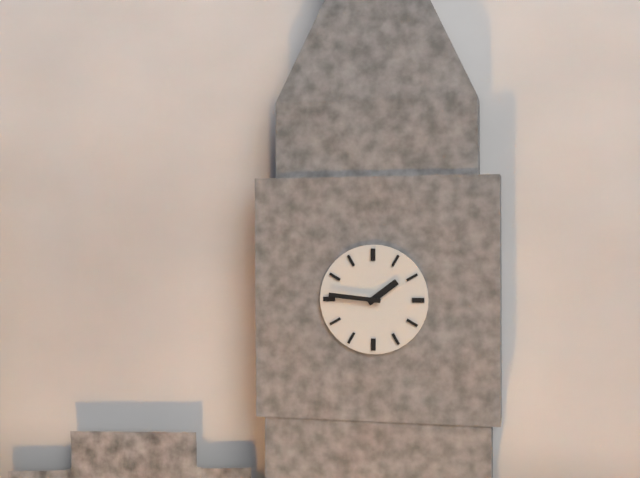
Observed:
{"hour": 1, "minute": 46}
